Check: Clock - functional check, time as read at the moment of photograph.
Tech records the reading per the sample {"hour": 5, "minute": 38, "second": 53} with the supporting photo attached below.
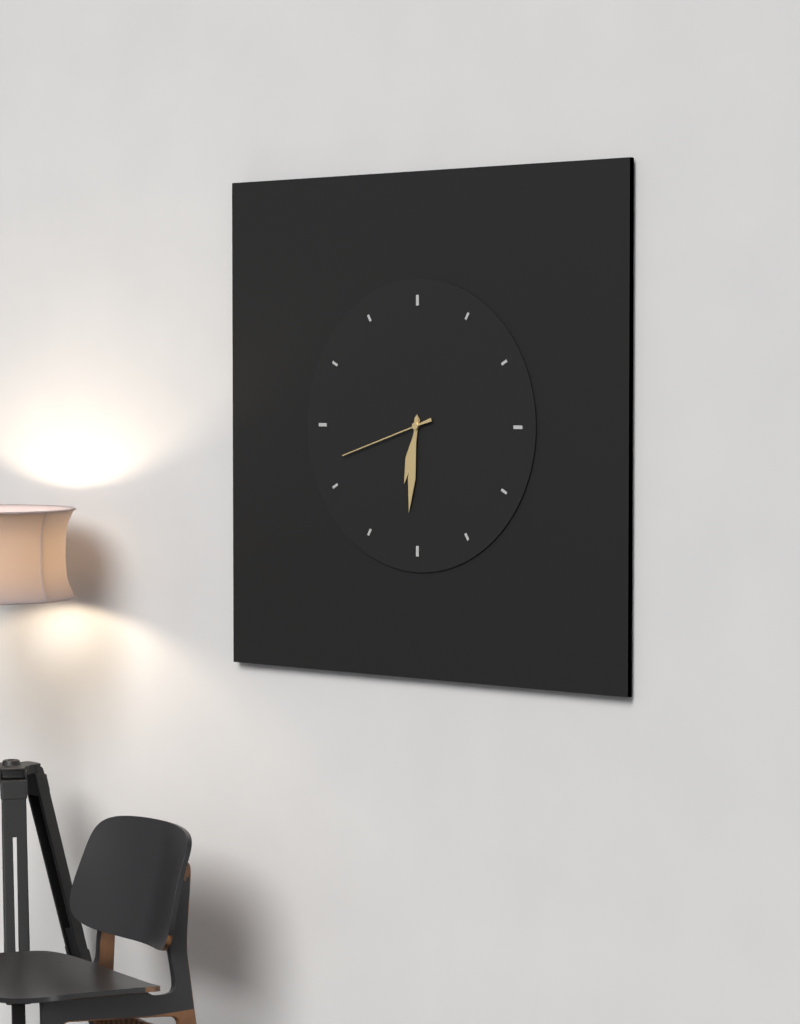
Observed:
{"hour": 6, "minute": 31, "second": 42}
